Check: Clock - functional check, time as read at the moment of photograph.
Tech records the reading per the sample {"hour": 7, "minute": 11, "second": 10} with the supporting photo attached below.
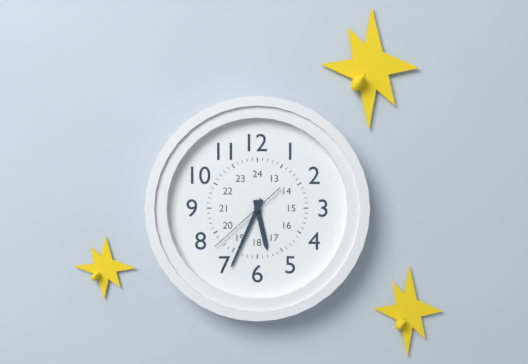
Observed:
{"hour": 5, "minute": 34, "second": 38}
